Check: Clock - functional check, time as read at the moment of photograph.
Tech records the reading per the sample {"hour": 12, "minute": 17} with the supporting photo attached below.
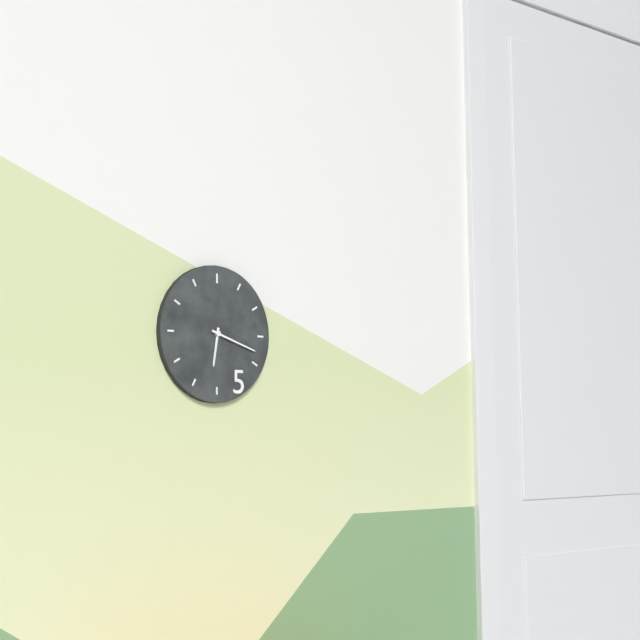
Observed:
{"hour": 6, "minute": 18}
